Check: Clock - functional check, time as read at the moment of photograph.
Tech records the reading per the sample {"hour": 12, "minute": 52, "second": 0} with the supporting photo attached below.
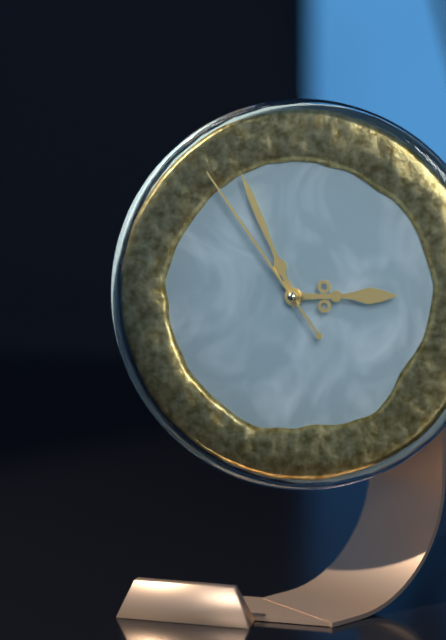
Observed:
{"hour": 2, "minute": 56, "second": 54}
